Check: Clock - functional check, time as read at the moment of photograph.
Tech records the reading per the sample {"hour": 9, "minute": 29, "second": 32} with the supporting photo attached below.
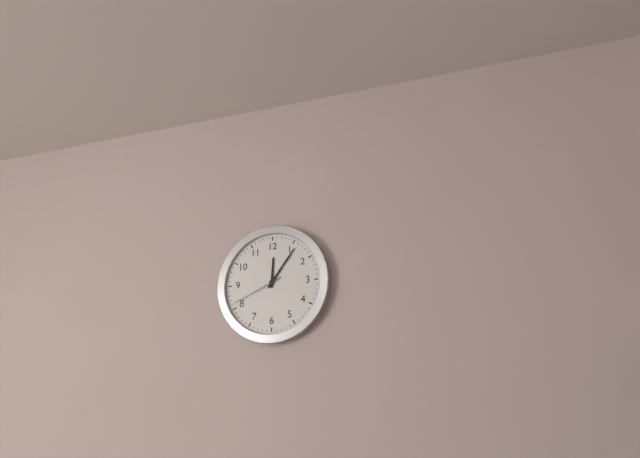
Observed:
{"hour": 12, "minute": 6, "second": 41}
